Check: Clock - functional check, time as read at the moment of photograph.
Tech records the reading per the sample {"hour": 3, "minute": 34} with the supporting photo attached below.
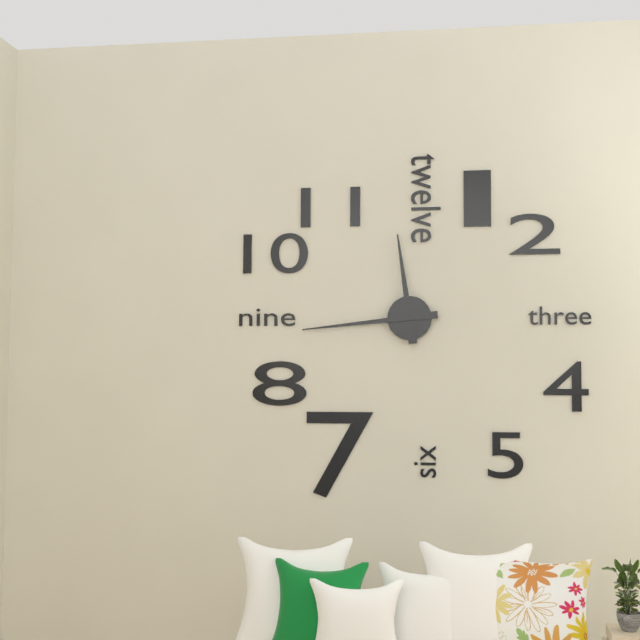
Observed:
{"hour": 11, "minute": 44}
